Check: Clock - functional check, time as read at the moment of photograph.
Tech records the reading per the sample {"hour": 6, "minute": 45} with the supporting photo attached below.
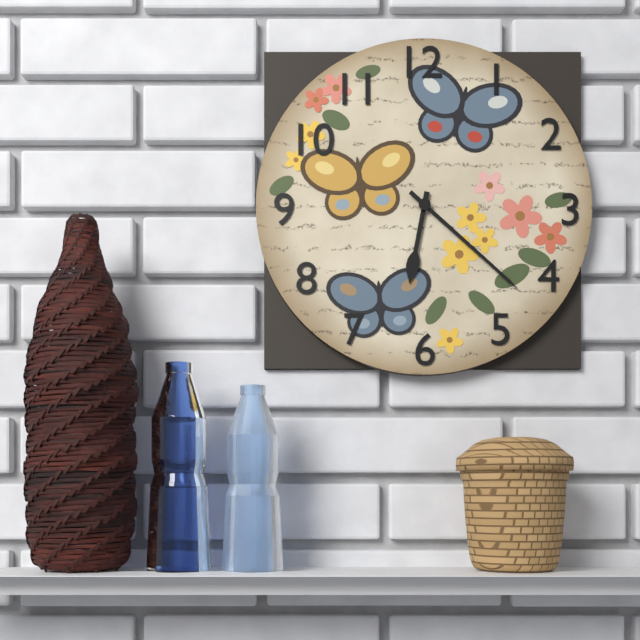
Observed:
{"hour": 6, "minute": 22}
